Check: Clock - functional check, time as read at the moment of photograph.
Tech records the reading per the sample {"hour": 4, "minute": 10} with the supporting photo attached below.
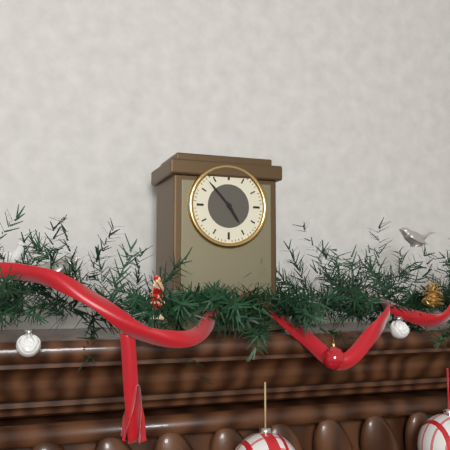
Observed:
{"hour": 4, "minute": 53}
